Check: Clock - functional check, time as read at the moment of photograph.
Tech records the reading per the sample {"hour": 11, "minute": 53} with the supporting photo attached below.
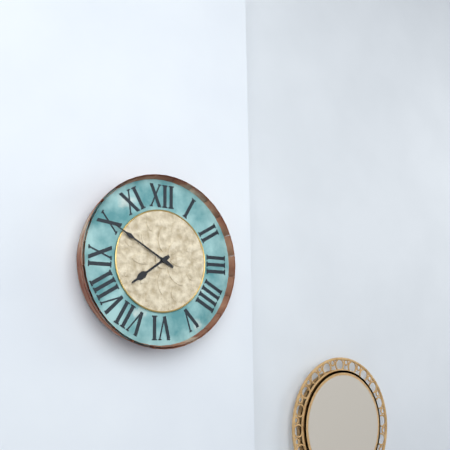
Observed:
{"hour": 7, "minute": 50}
